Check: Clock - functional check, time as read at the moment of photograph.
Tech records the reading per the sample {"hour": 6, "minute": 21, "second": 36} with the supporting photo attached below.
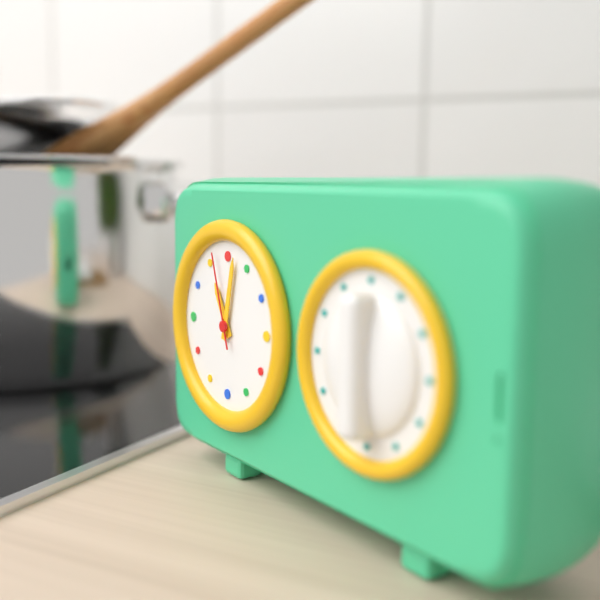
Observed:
{"hour": 11, "minute": 2, "second": 57}
